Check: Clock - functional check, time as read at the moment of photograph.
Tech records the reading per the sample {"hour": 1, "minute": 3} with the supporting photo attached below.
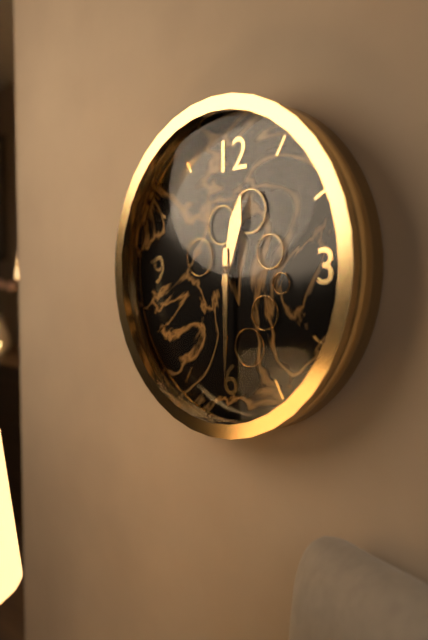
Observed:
{"hour": 12, "minute": 30}
